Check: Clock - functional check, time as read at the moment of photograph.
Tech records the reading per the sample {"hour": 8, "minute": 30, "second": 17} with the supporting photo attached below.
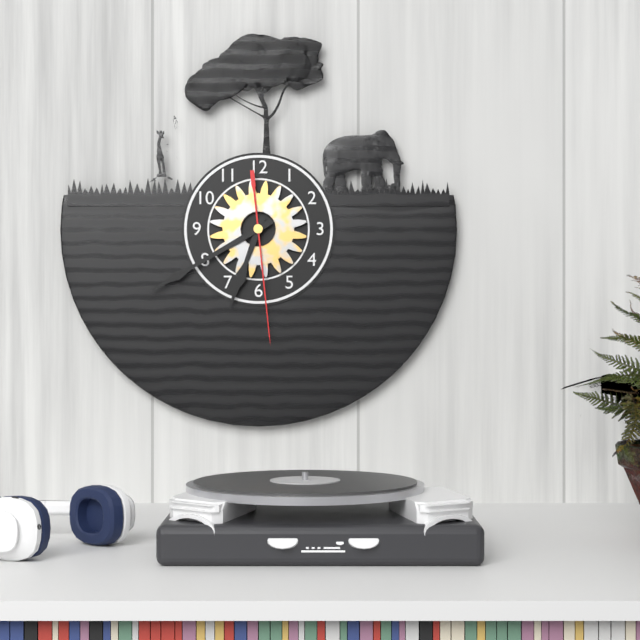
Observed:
{"hour": 6, "minute": 40, "second": 29}
